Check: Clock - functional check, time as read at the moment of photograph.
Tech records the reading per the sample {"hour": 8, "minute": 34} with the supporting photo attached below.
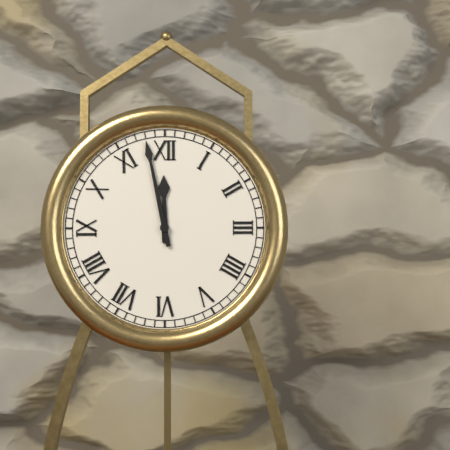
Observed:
{"hour": 11, "minute": 58}
